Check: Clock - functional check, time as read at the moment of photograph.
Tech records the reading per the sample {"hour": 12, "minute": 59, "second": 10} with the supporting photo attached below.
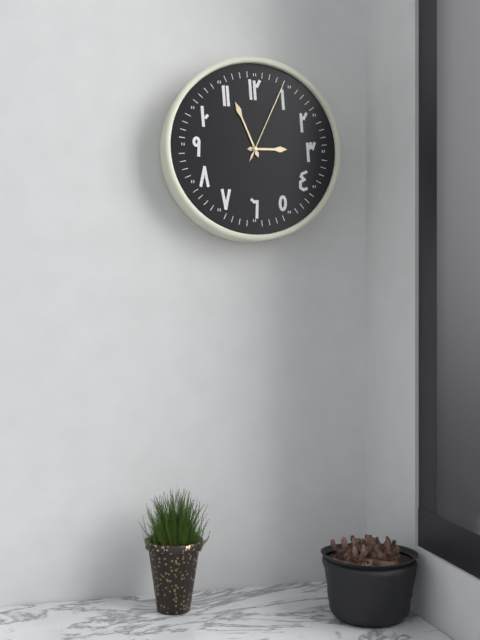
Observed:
{"hour": 2, "minute": 56, "second": 4}
